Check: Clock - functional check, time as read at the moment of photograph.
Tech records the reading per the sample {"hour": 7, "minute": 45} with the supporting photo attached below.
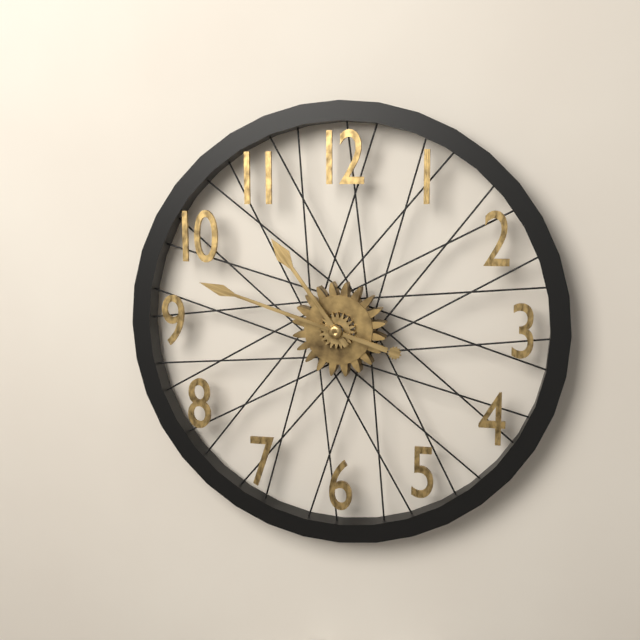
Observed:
{"hour": 10, "minute": 48}
